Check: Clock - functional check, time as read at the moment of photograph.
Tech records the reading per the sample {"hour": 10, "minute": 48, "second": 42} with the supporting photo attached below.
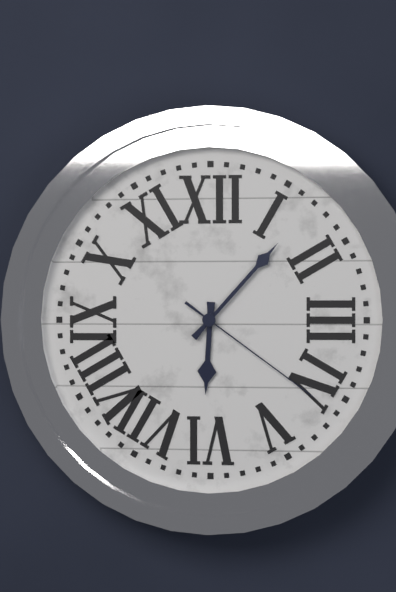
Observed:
{"hour": 6, "minute": 7, "second": 21}
